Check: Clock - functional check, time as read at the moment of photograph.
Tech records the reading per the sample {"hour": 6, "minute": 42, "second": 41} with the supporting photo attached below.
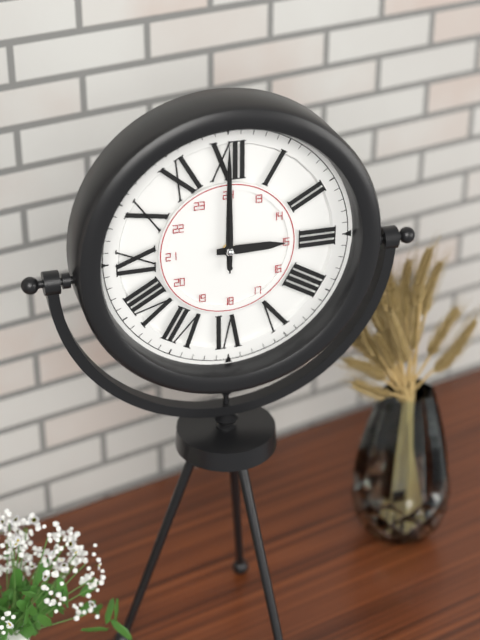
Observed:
{"hour": 3, "minute": 0, "second": 0}
